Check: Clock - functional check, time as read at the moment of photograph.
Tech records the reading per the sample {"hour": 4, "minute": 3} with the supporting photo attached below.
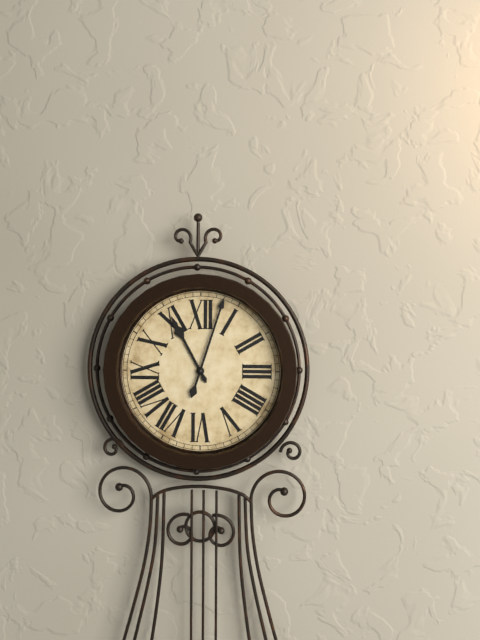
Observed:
{"hour": 11, "minute": 3}
